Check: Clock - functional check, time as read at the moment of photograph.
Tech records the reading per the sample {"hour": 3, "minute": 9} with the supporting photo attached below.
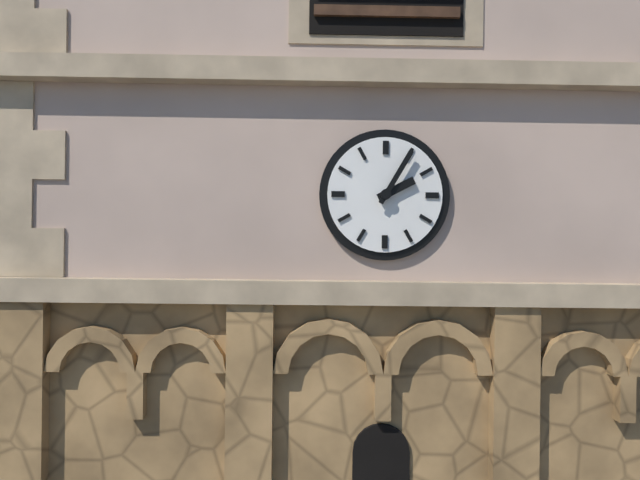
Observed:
{"hour": 2, "minute": 5}
